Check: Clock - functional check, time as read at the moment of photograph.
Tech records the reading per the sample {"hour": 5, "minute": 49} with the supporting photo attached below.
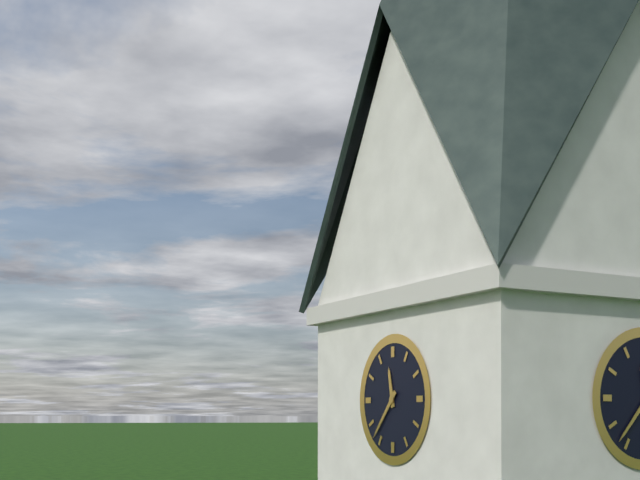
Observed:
{"hour": 11, "minute": 37}
